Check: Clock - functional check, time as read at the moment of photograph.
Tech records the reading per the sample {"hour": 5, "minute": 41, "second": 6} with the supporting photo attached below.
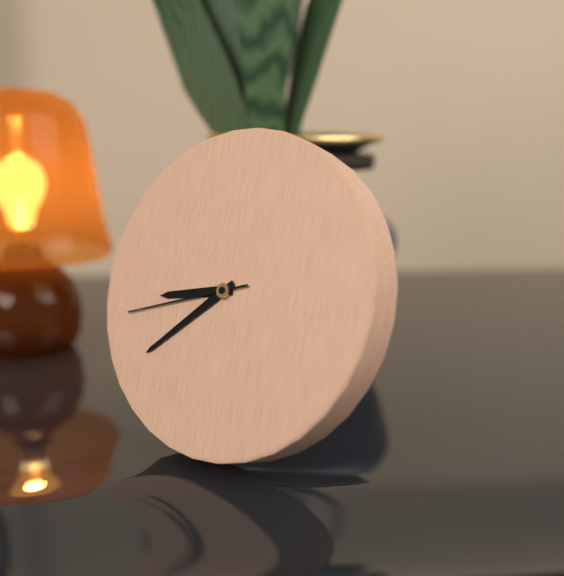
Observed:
{"hour": 8, "minute": 38, "second": 42}
